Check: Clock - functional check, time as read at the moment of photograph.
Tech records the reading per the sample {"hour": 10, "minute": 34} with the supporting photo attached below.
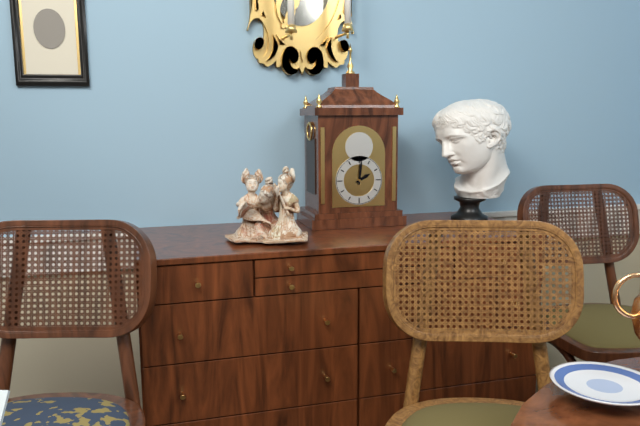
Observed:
{"hour": 2, "minute": 1}
